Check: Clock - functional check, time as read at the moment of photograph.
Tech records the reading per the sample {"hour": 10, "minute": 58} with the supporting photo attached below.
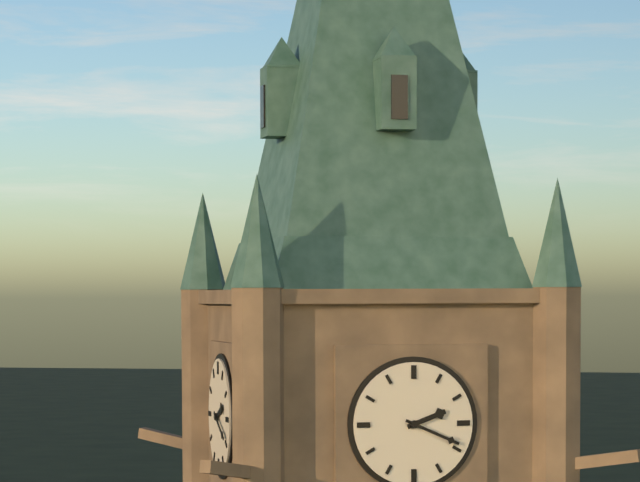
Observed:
{"hour": 2, "minute": 19}
